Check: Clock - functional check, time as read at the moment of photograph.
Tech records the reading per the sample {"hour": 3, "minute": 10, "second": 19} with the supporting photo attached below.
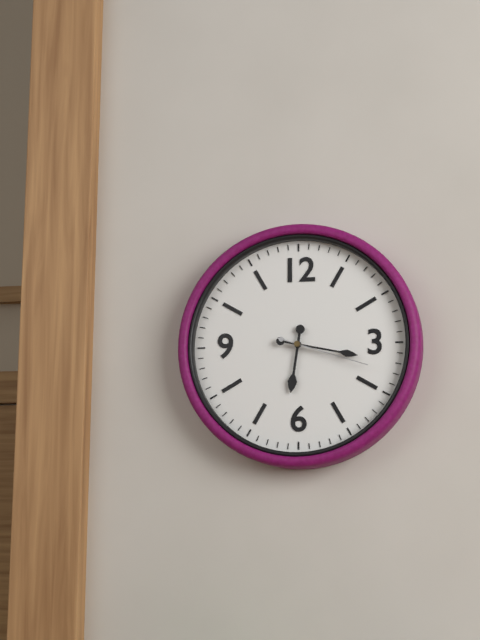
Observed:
{"hour": 6, "minute": 17, "second": 18}
